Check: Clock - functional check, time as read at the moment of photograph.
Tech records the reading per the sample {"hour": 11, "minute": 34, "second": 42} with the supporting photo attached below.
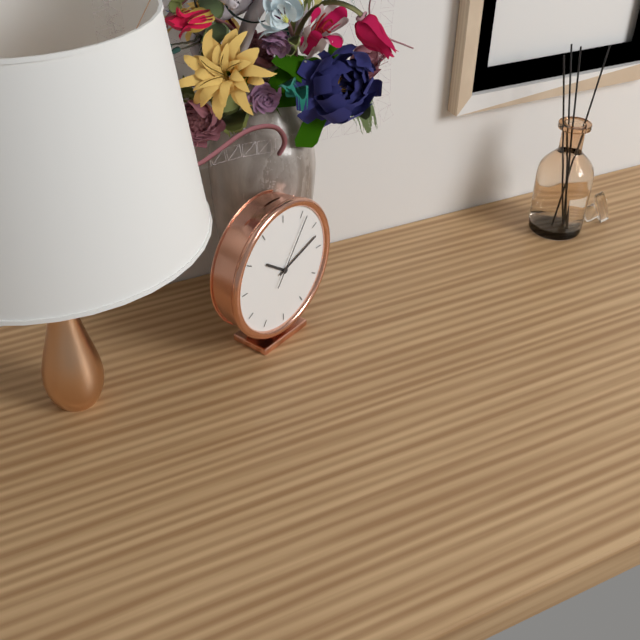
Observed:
{"hour": 10, "minute": 12, "second": 6}
